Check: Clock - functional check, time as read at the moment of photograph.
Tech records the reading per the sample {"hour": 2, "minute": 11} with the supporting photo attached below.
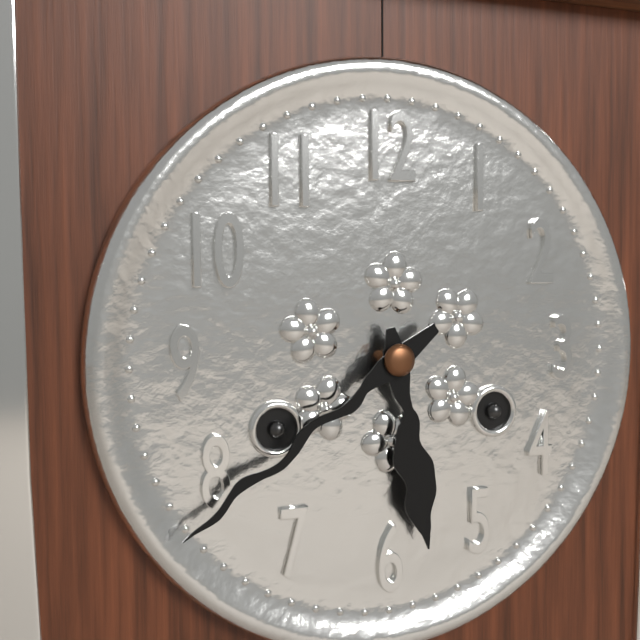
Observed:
{"hour": 5, "minute": 39}
